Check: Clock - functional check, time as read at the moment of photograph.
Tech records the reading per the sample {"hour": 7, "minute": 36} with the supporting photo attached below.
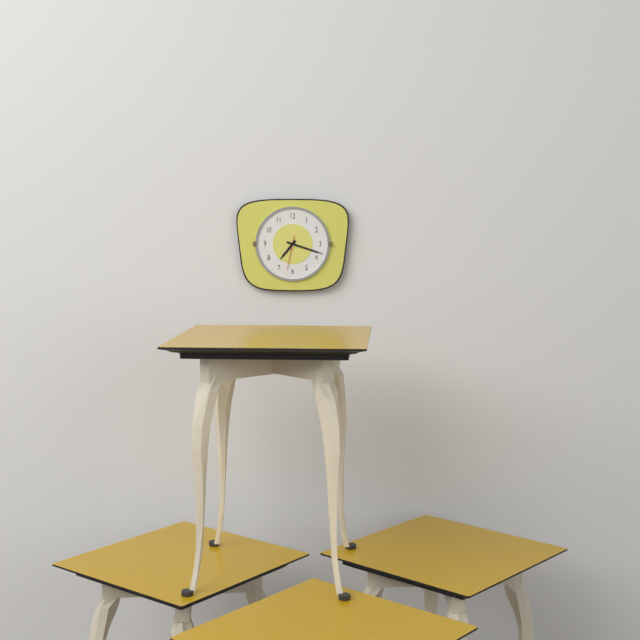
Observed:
{"hour": 7, "minute": 18}
